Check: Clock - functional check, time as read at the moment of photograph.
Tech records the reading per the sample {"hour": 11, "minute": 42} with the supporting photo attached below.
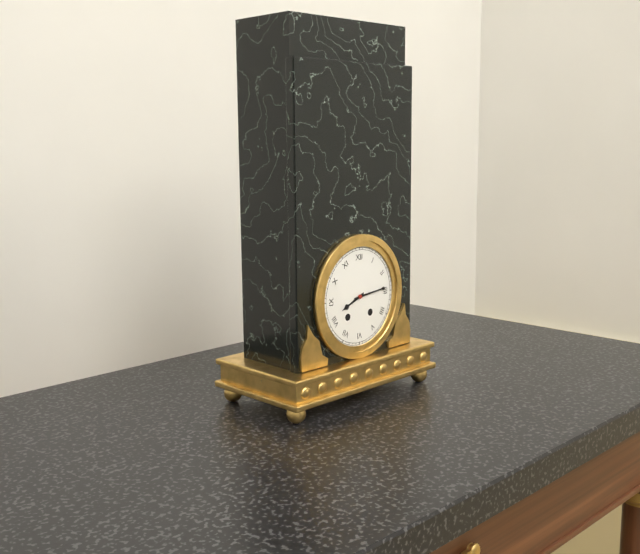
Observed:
{"hour": 8, "minute": 14}
